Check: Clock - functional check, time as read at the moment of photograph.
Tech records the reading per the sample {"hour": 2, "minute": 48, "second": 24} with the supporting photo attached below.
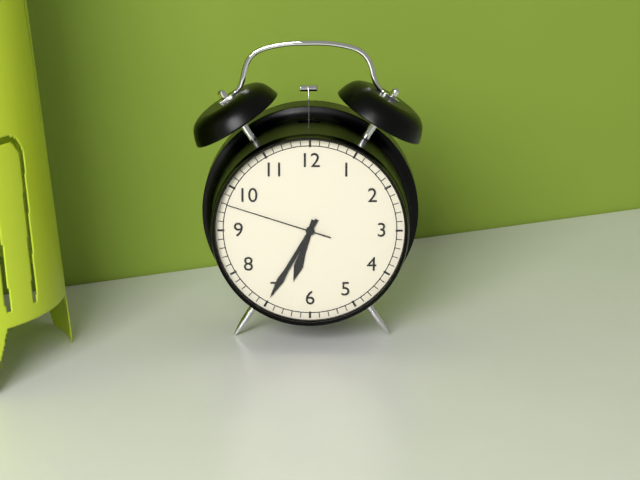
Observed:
{"hour": 6, "minute": 35, "second": 48}
